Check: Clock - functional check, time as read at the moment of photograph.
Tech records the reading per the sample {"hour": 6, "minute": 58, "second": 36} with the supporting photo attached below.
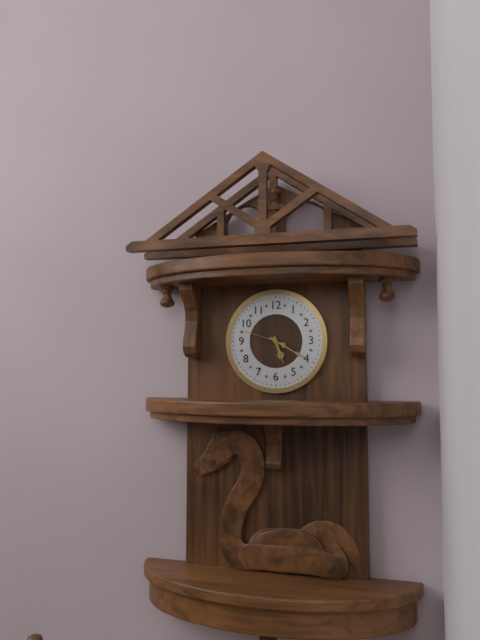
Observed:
{"hour": 5, "minute": 20, "second": 48}
